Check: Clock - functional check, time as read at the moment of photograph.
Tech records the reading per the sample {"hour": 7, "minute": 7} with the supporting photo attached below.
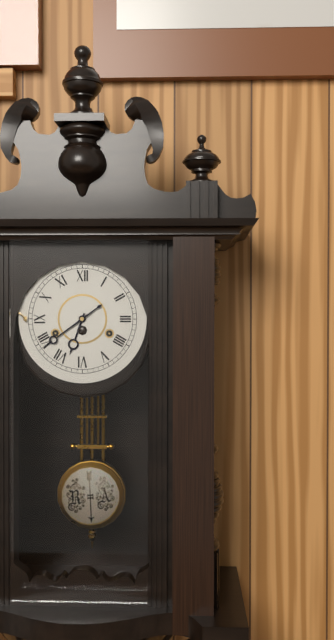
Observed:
{"hour": 6, "minute": 39}
